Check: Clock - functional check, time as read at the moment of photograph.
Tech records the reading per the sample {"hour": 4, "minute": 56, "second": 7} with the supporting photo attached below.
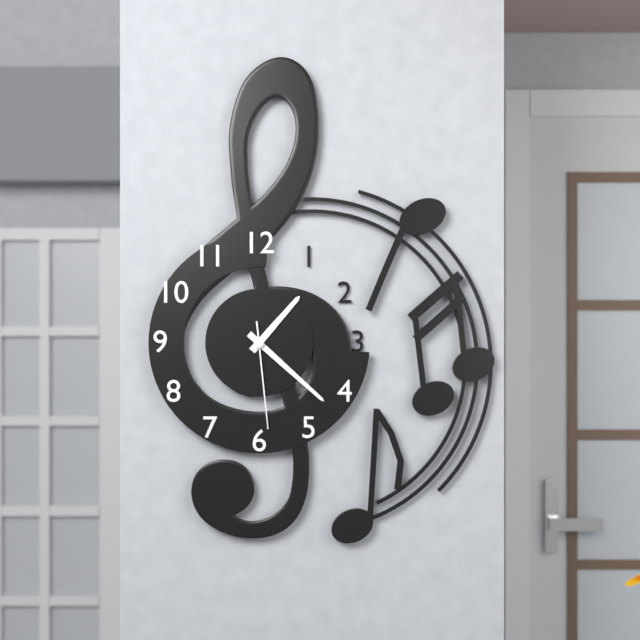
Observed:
{"hour": 1, "minute": 22, "second": 29}
